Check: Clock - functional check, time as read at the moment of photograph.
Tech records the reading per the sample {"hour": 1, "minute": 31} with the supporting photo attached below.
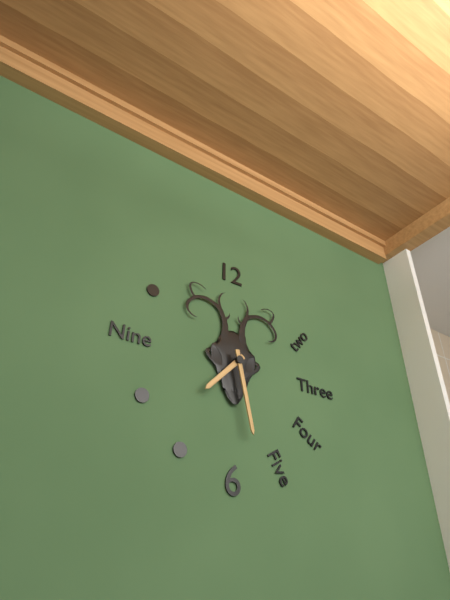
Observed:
{"hour": 7, "minute": 28}
